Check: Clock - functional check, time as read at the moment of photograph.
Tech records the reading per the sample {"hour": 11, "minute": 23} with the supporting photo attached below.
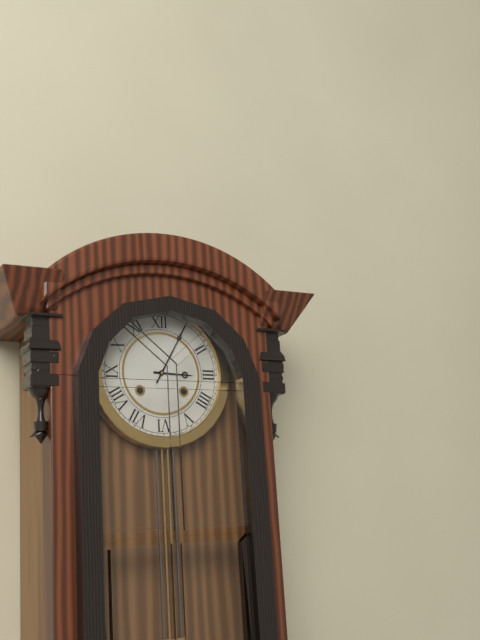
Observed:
{"hour": 3, "minute": 5}
